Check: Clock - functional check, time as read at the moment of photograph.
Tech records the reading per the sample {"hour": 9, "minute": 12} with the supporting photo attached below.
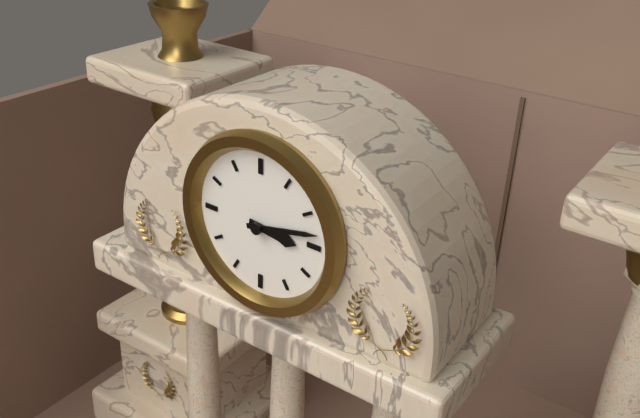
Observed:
{"hour": 3, "minute": 13}
